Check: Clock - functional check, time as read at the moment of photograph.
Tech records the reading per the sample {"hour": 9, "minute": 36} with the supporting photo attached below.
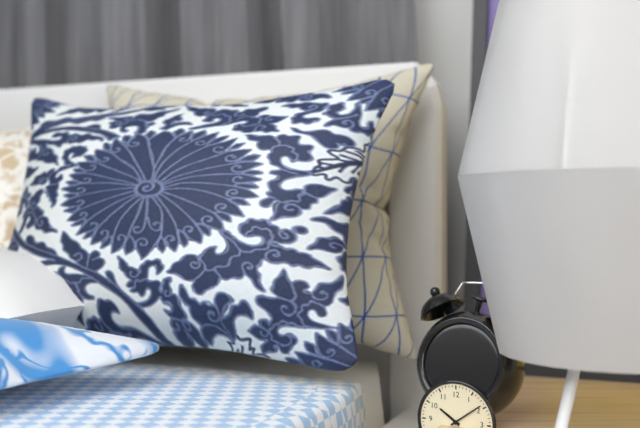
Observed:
{"hour": 10, "minute": 9}
